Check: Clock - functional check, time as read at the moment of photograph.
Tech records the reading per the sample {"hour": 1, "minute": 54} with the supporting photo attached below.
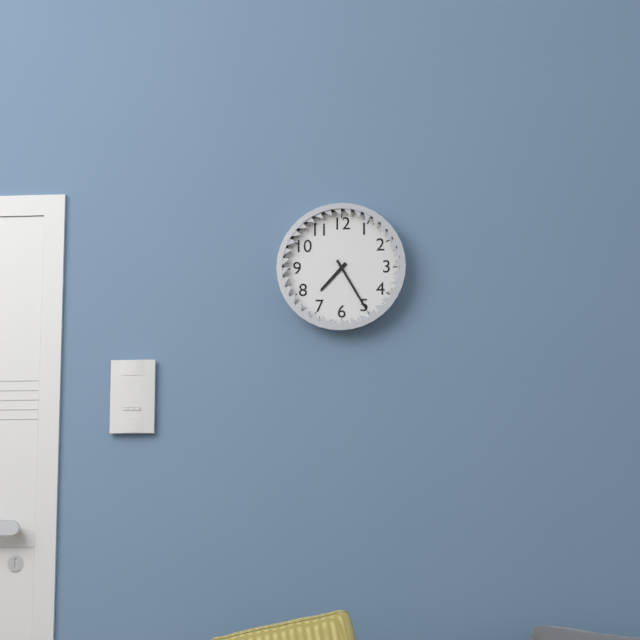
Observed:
{"hour": 7, "minute": 25}
